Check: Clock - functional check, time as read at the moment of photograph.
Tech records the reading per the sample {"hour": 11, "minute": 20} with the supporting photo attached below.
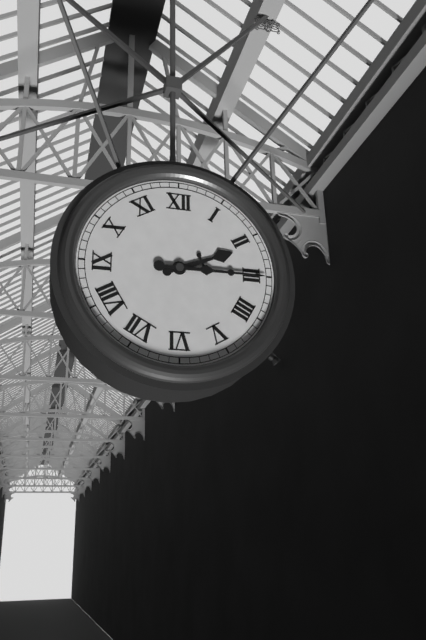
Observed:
{"hour": 2, "minute": 15}
